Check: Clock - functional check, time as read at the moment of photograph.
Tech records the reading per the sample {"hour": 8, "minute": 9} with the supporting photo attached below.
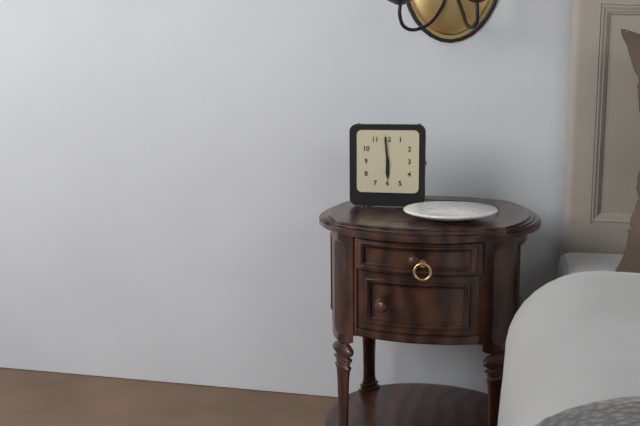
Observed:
{"hour": 5, "minute": 59}
